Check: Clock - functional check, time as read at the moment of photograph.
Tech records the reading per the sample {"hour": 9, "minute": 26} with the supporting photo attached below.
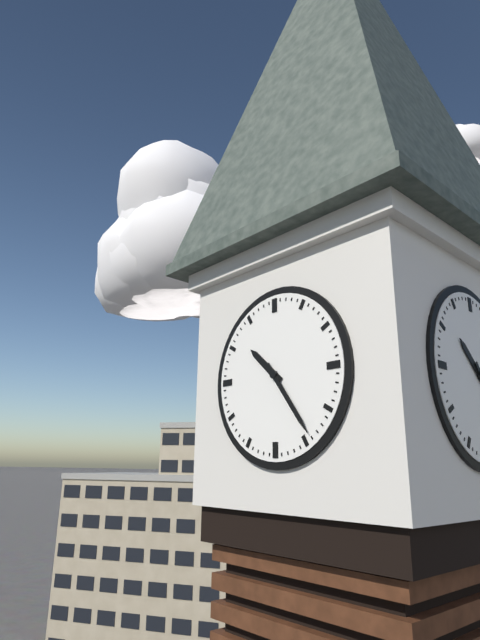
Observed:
{"hour": 10, "minute": 24}
